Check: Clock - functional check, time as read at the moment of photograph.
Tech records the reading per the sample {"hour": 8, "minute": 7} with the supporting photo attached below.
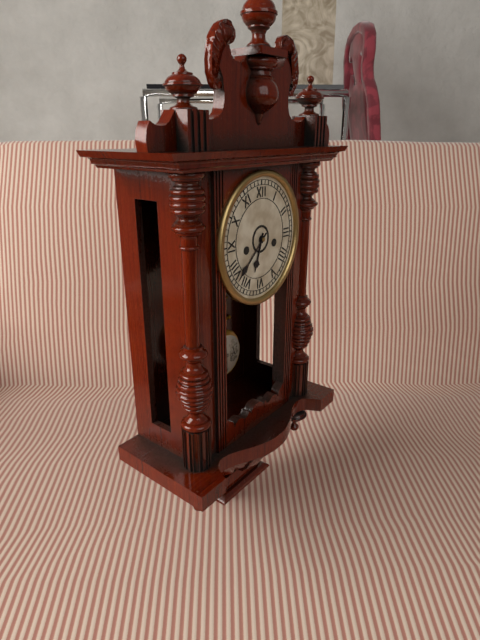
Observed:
{"hour": 6, "minute": 38}
